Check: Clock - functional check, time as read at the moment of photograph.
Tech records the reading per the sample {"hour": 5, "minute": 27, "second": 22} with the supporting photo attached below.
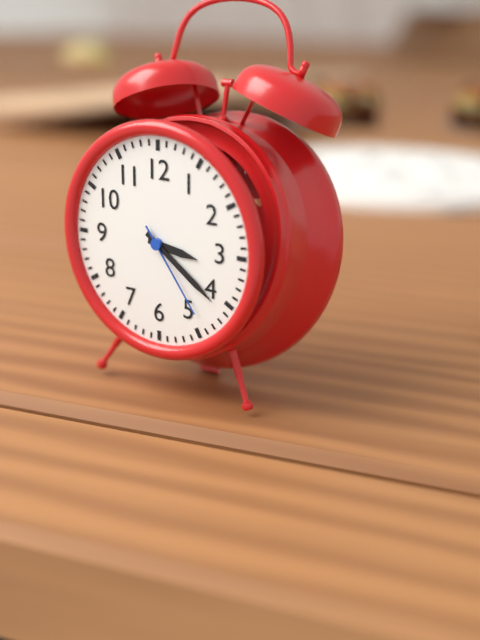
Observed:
{"hour": 3, "minute": 21, "second": 24}
